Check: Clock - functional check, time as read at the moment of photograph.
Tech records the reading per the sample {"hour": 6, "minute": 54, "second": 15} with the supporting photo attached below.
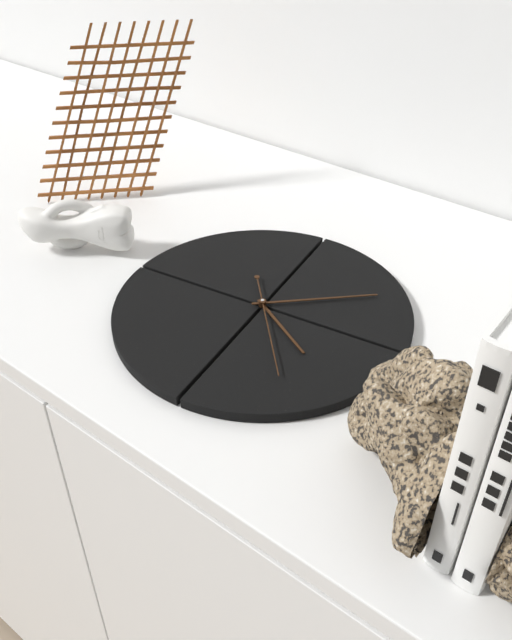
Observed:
{"hour": 4, "minute": 9, "second": 24}
